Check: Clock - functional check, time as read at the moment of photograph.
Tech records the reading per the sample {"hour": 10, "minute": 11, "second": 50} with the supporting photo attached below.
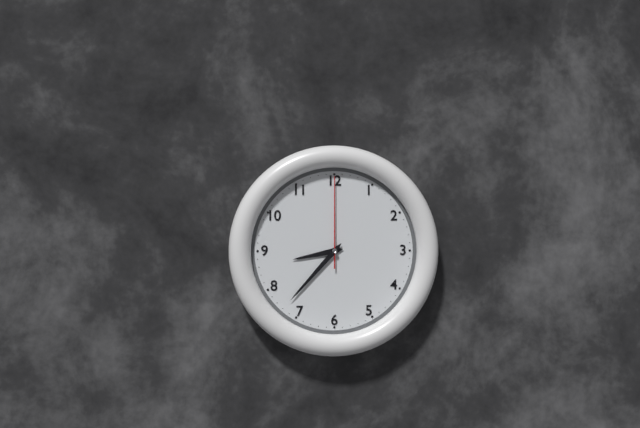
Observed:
{"hour": 8, "minute": 37, "second": 0}
